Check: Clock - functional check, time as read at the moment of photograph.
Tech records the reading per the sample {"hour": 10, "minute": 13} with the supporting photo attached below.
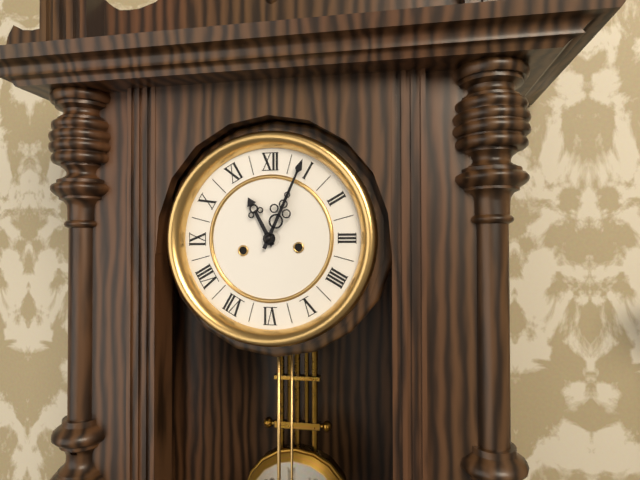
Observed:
{"hour": 11, "minute": 4}
